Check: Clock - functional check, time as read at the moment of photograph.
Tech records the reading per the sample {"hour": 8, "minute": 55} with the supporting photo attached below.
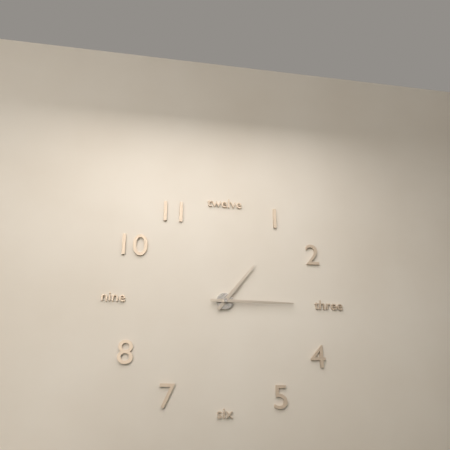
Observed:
{"hour": 1, "minute": 15}
